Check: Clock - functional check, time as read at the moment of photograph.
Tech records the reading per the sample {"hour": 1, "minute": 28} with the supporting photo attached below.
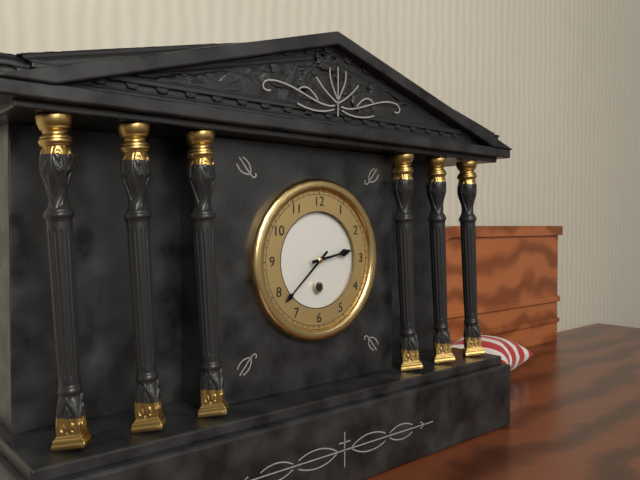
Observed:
{"hour": 2, "minute": 38}
